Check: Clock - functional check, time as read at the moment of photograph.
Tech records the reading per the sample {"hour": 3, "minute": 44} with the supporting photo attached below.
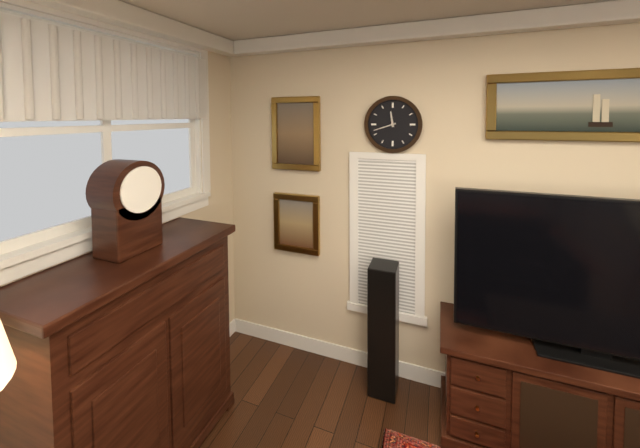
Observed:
{"hour": 11, "minute": 42}
